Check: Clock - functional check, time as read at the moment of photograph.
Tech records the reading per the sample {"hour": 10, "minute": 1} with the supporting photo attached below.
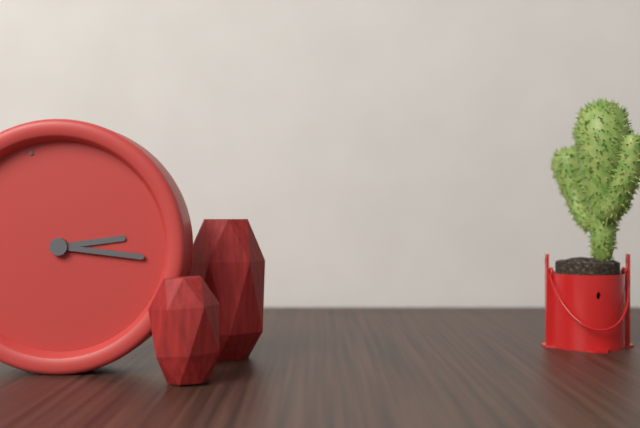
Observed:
{"hour": 3, "minute": 19}
